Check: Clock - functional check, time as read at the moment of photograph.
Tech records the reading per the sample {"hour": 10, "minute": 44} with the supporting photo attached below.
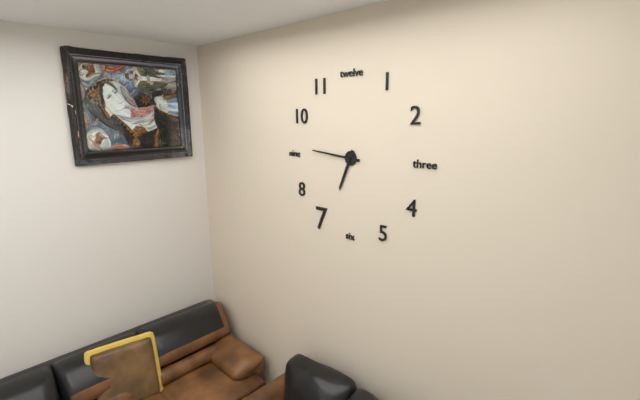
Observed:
{"hour": 6, "minute": 46}
